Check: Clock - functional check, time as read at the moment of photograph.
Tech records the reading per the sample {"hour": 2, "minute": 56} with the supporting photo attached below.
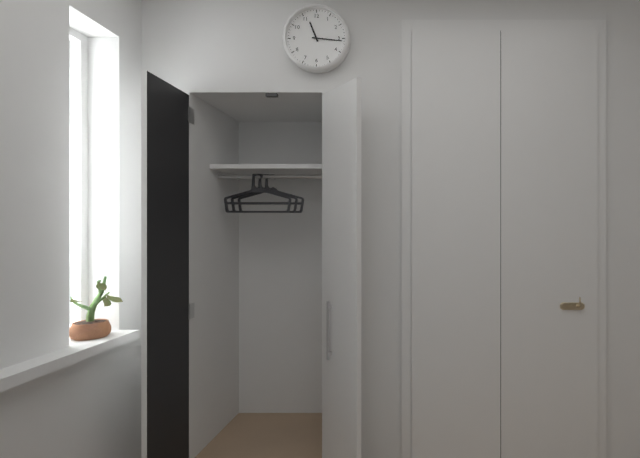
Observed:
{"hour": 11, "minute": 16}
